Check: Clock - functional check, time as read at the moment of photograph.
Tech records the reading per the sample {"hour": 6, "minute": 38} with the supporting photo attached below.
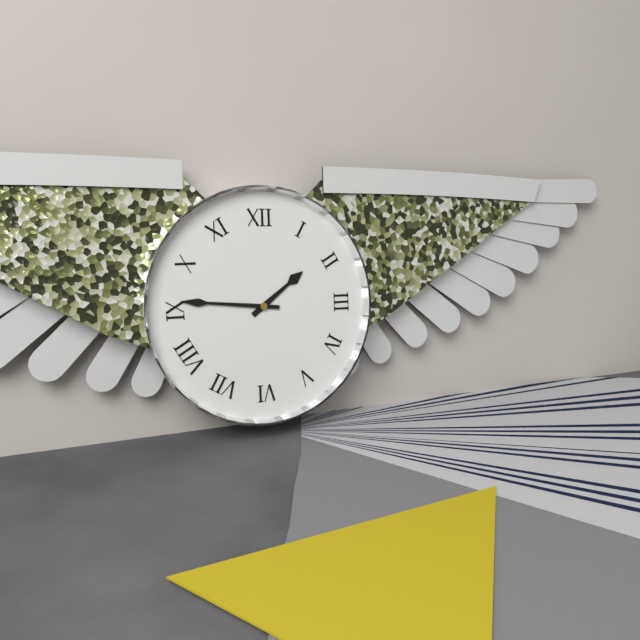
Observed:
{"hour": 1, "minute": 46}
